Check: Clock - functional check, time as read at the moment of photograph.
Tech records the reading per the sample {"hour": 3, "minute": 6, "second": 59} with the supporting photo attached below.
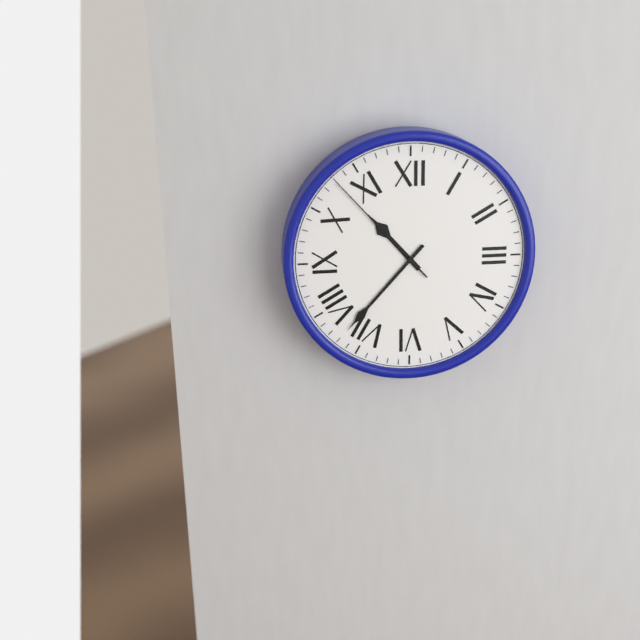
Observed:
{"hour": 10, "minute": 37, "second": 53}
